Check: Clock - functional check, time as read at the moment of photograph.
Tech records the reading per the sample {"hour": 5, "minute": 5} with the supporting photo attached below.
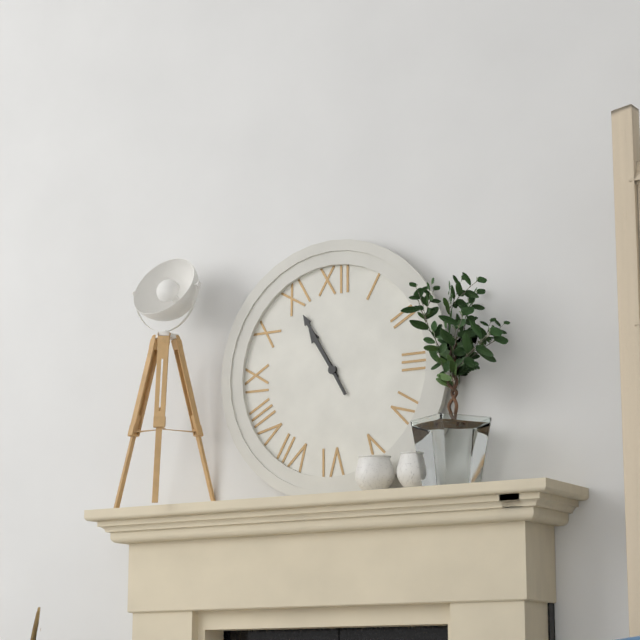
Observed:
{"hour": 10, "minute": 55}
